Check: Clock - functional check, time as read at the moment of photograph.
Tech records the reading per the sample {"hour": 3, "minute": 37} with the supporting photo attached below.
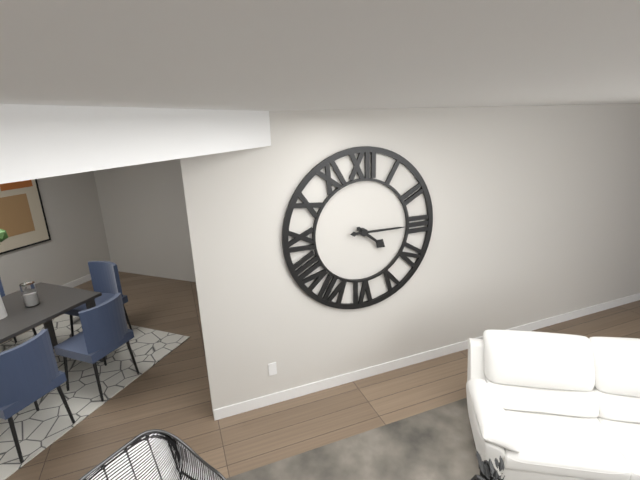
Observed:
{"hour": 4, "minute": 15}
